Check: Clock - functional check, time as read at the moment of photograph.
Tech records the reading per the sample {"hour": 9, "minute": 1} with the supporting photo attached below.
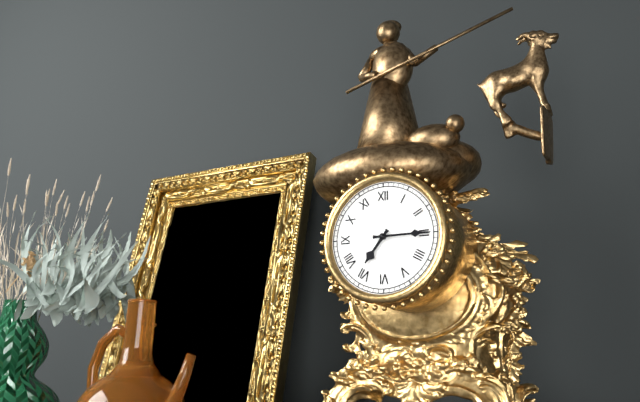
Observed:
{"hour": 7, "minute": 15}
